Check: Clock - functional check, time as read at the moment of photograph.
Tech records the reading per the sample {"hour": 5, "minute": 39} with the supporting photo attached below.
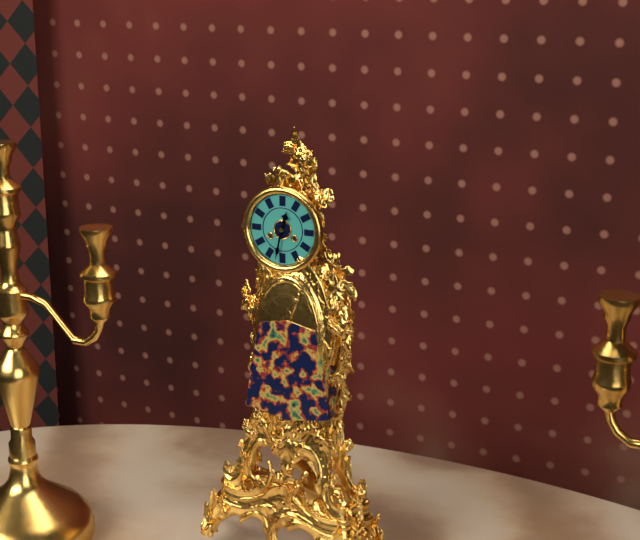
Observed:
{"hour": 12, "minute": 32}
